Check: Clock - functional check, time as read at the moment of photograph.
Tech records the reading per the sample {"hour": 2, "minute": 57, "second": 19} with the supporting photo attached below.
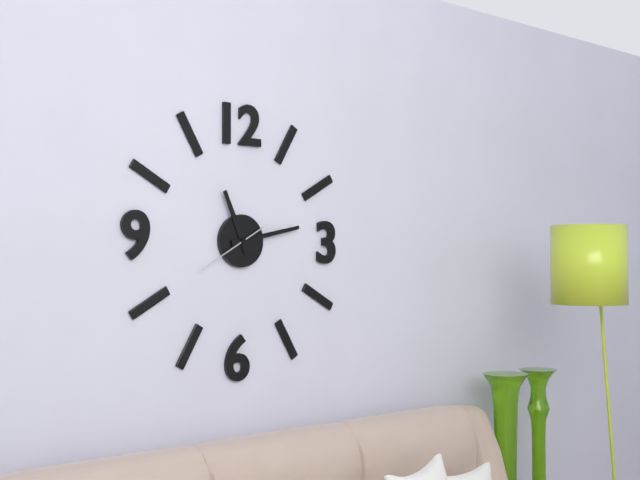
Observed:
{"hour": 11, "minute": 13, "second": 40}
